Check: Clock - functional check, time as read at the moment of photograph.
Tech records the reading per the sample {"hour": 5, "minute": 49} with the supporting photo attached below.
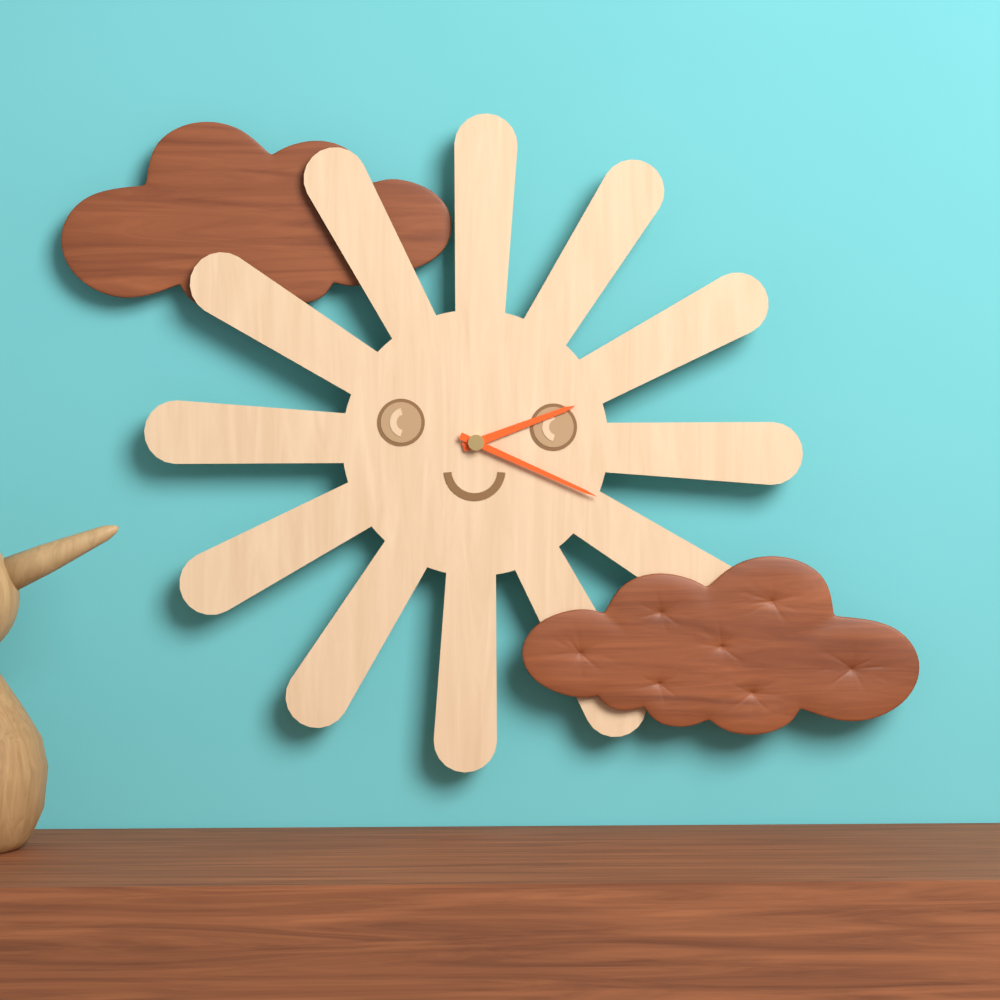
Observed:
{"hour": 2, "minute": 19}
